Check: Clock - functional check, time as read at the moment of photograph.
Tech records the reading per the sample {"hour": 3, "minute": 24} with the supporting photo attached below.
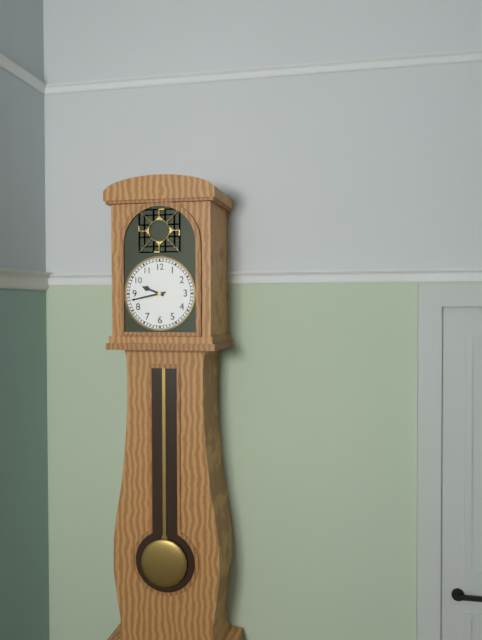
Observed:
{"hour": 9, "minute": 43}
